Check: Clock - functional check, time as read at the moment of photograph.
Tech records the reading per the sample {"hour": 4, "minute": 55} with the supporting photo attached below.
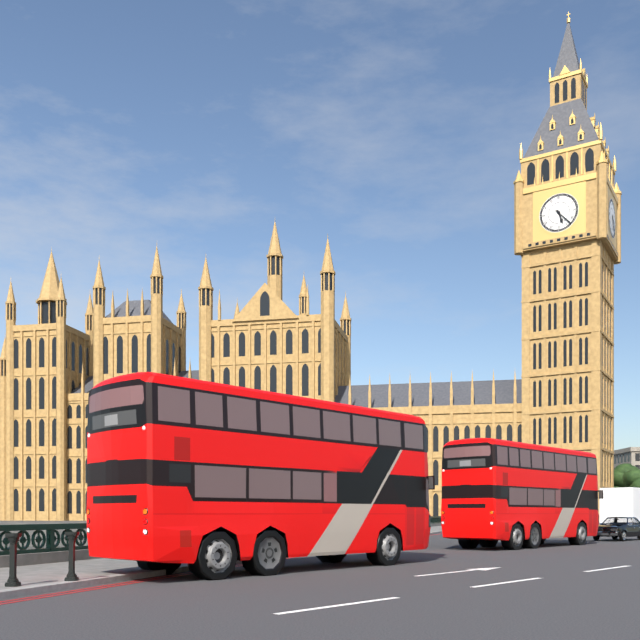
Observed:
{"hour": 5, "minute": 23}
